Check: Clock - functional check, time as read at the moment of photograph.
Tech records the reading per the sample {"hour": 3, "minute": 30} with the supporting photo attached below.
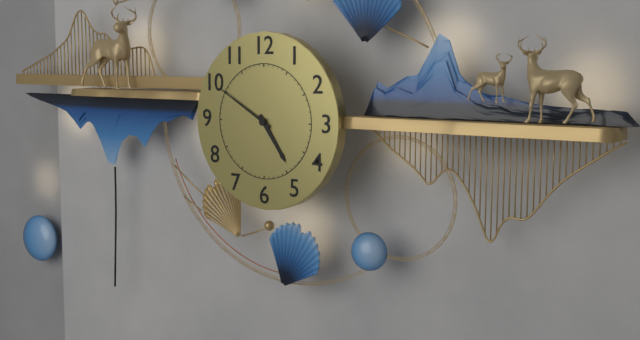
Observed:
{"hour": 4, "minute": 50}
